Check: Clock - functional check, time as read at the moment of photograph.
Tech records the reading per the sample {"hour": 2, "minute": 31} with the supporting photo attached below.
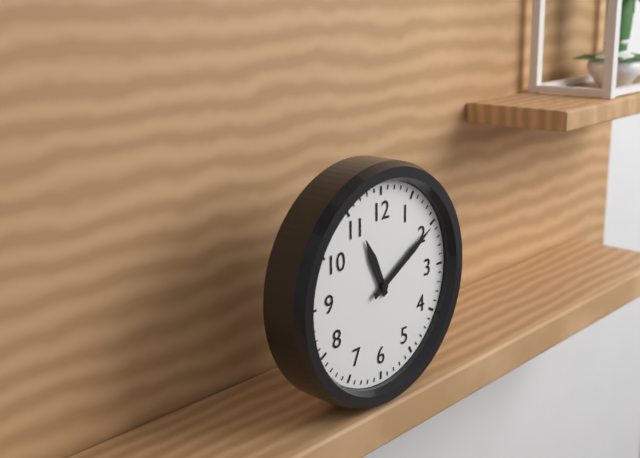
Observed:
{"hour": 11, "minute": 10}
